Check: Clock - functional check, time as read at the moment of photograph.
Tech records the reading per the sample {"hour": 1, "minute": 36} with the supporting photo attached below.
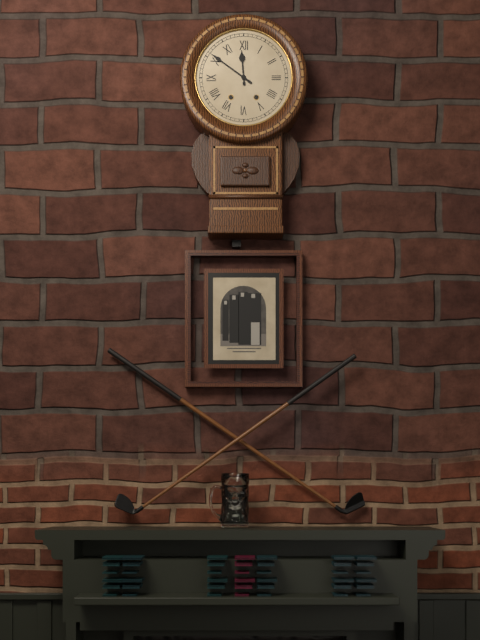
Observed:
{"hour": 11, "minute": 51}
